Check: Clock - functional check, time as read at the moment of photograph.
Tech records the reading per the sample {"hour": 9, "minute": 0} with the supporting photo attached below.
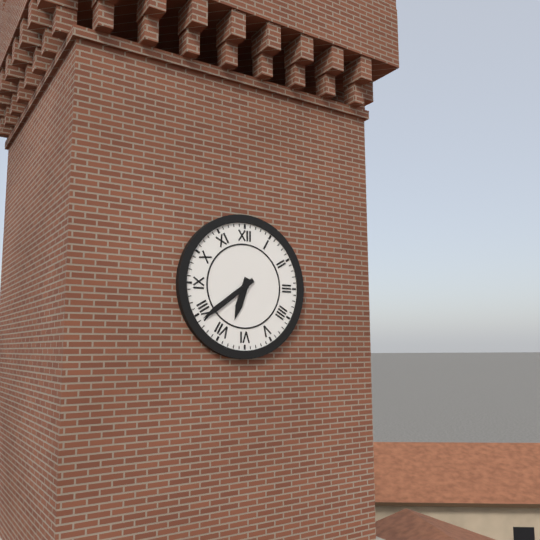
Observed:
{"hour": 6, "minute": 39}
